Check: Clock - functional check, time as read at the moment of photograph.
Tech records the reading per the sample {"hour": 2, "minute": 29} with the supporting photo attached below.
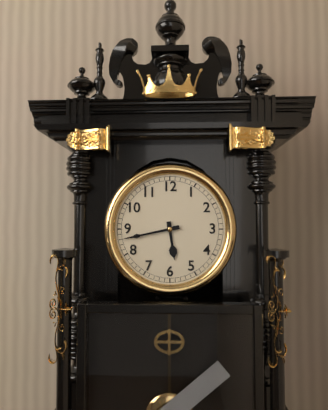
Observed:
{"hour": 5, "minute": 43}
